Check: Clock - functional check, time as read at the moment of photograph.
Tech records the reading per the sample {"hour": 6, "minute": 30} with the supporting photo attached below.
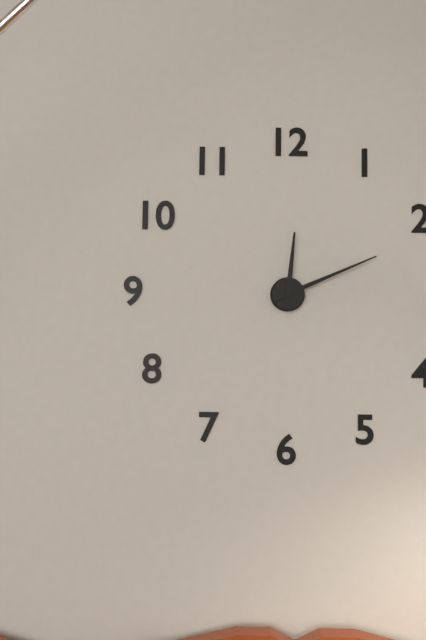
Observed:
{"hour": 12, "minute": 11}
